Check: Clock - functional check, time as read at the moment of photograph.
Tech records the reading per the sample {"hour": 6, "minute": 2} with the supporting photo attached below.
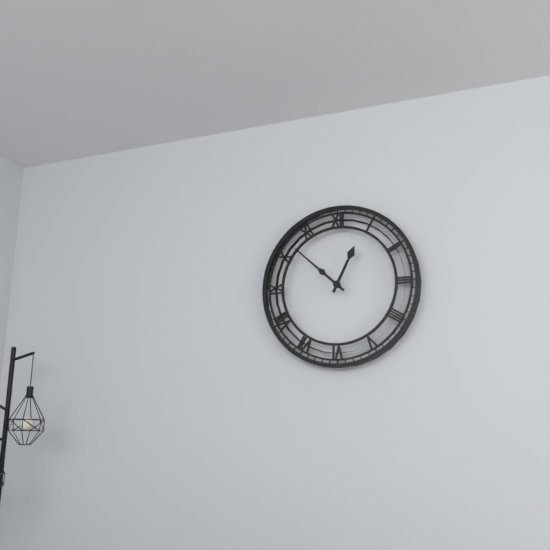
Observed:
{"hour": 12, "minute": 52}
